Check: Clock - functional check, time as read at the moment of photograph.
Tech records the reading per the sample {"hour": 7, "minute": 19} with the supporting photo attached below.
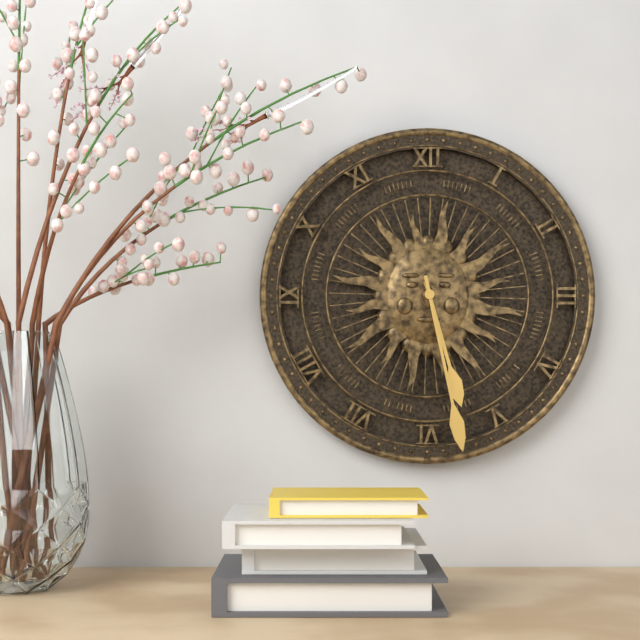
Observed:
{"hour": 5, "minute": 28}
